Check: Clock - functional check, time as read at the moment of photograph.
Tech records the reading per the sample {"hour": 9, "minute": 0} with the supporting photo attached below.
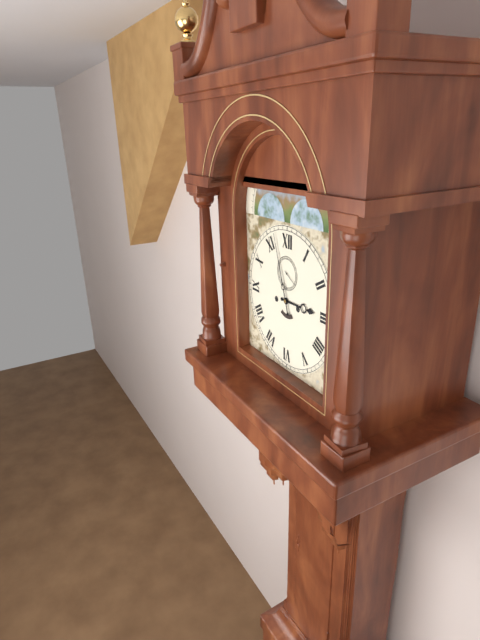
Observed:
{"hour": 2, "minute": 57}
